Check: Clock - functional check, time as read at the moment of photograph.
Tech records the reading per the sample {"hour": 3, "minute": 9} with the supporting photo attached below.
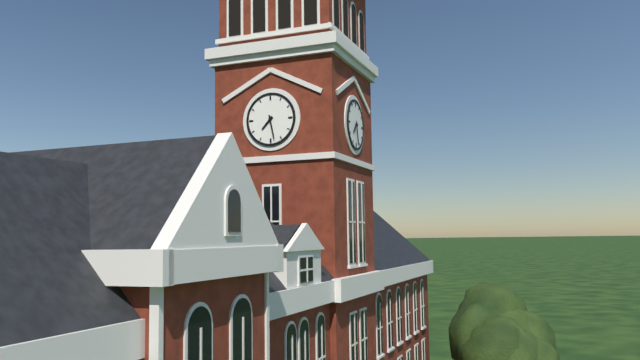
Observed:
{"hour": 7, "minute": 28}
